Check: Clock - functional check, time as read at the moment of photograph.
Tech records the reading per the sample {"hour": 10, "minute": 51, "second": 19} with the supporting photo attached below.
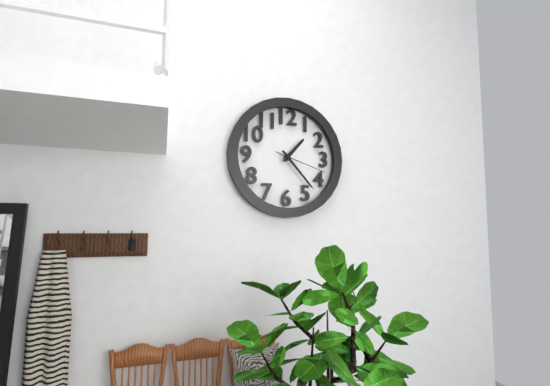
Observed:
{"hour": 1, "minute": 23, "second": 18}
